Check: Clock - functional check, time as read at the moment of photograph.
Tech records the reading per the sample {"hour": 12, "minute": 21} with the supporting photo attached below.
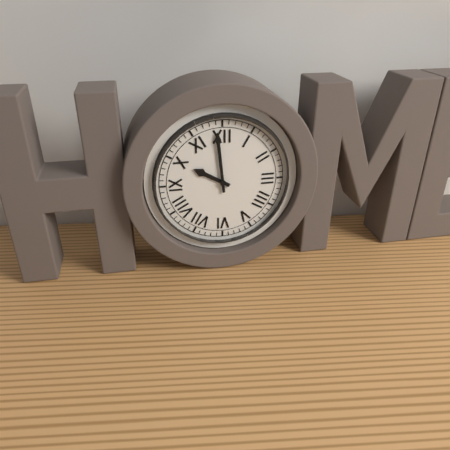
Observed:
{"hour": 9, "minute": 59}
